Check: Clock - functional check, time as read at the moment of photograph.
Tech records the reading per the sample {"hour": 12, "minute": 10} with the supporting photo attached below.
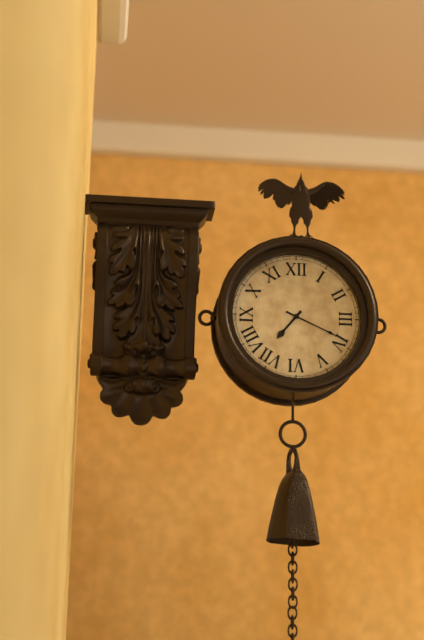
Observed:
{"hour": 7, "minute": 19}
